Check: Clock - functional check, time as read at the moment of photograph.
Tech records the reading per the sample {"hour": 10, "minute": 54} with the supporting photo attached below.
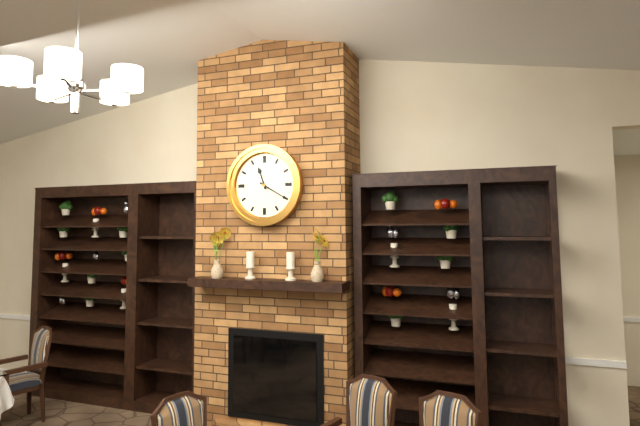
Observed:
{"hour": 11, "minute": 20}
